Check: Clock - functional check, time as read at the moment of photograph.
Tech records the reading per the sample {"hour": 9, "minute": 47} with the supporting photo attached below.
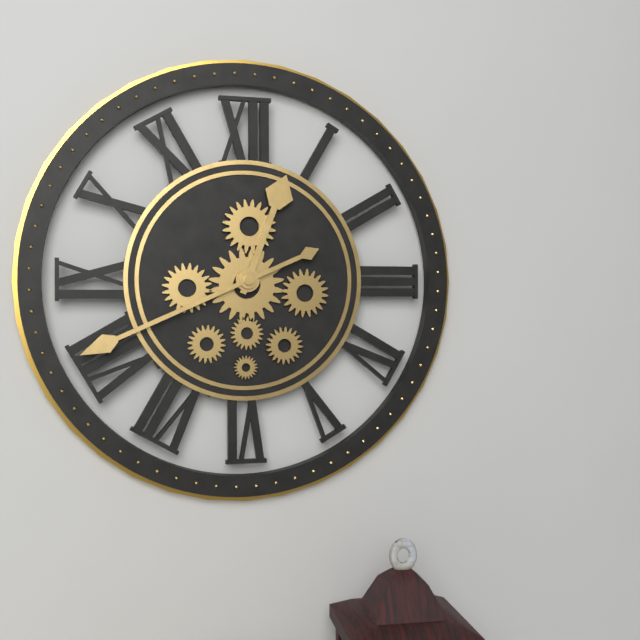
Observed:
{"hour": 12, "minute": 41}
